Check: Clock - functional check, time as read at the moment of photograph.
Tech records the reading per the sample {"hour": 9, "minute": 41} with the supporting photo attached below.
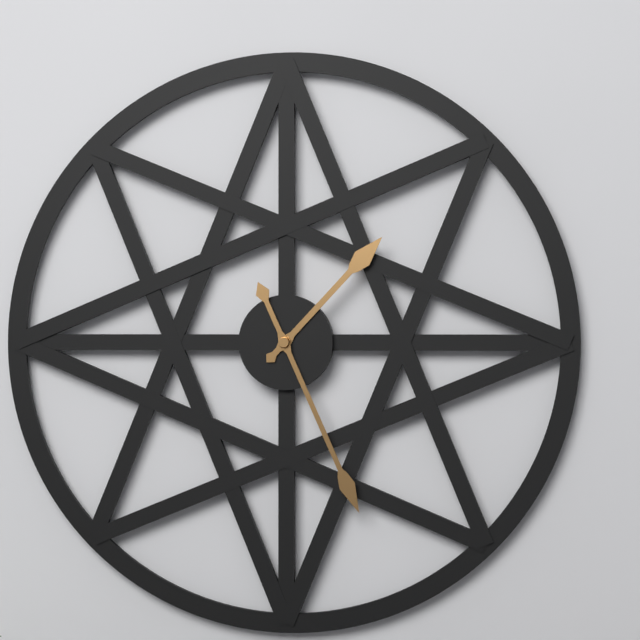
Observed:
{"hour": 1, "minute": 26}
